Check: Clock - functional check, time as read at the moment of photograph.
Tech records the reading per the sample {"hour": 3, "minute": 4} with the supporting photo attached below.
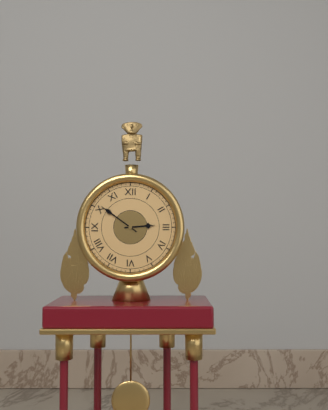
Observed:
{"hour": 2, "minute": 51}
